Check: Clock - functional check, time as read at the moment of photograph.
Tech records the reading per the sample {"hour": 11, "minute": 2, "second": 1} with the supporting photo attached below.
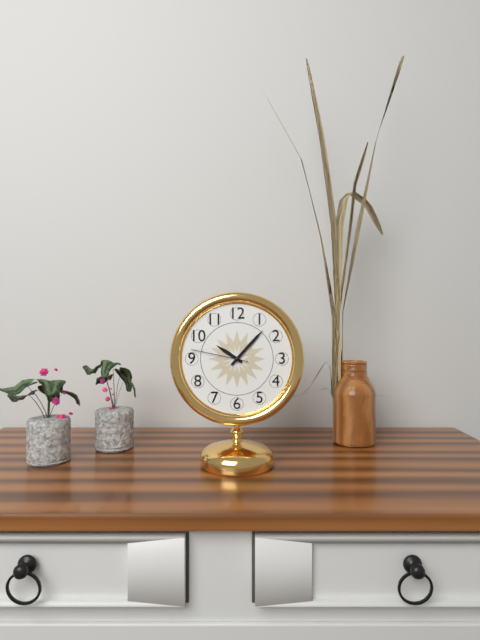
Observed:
{"hour": 10, "minute": 7, "second": 47}
